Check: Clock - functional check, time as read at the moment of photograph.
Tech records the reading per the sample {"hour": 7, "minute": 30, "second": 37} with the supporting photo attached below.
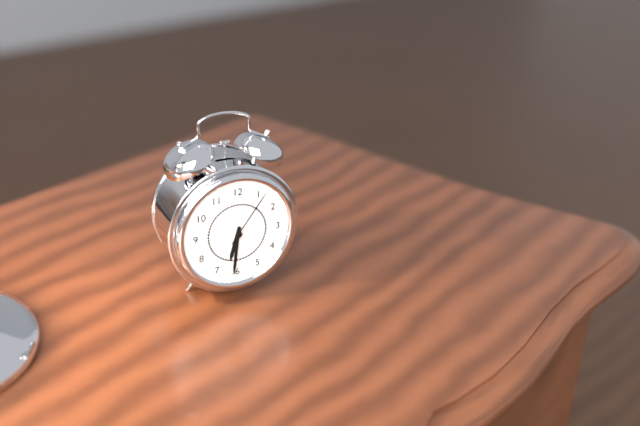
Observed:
{"hour": 6, "minute": 31, "second": 6}
